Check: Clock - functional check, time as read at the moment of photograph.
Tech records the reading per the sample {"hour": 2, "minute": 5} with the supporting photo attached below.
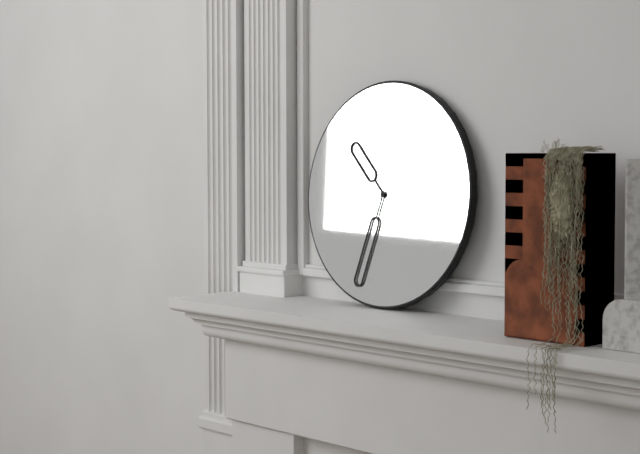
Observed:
{"hour": 10, "minute": 33}
